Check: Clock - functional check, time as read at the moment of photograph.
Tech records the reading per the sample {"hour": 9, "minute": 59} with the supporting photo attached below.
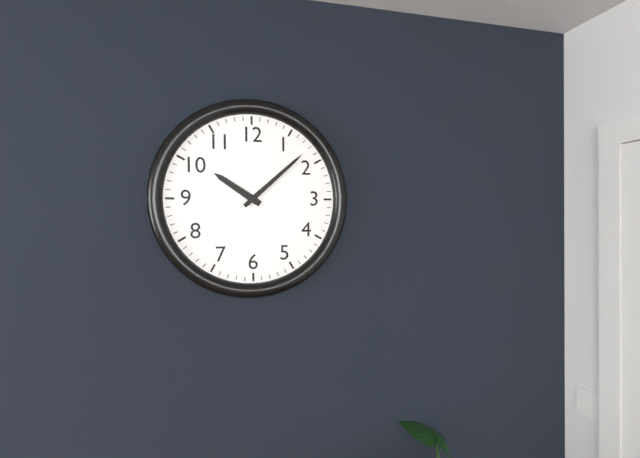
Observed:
{"hour": 10, "minute": 8}
